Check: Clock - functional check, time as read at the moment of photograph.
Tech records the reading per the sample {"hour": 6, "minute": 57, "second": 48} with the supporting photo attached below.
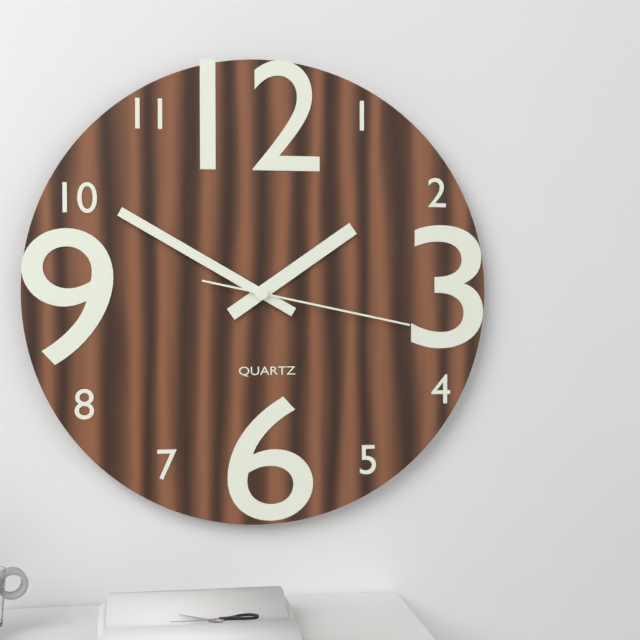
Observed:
{"hour": 1, "minute": 50, "second": 17}
